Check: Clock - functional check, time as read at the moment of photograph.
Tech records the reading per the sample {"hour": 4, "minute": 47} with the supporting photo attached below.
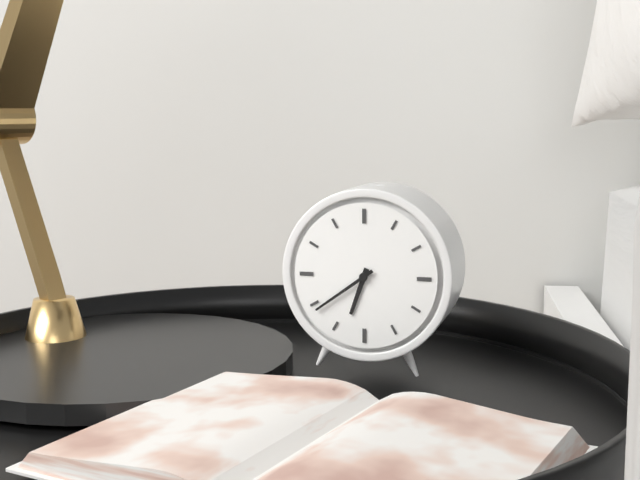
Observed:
{"hour": 6, "minute": 39}
